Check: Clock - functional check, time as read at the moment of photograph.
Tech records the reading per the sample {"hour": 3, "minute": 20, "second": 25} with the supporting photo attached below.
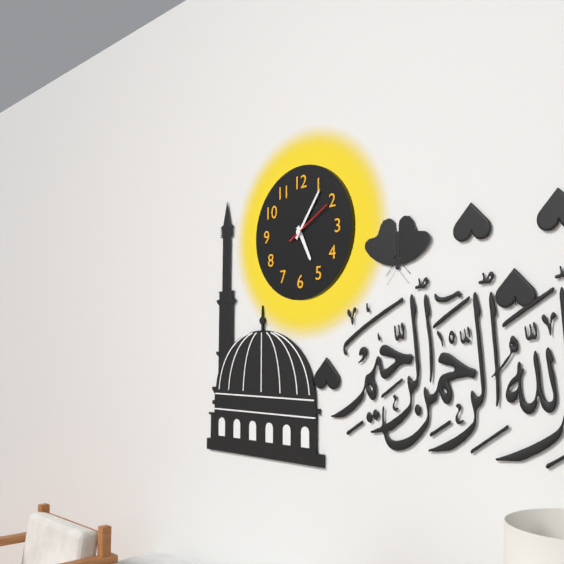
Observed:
{"hour": 5, "minute": 6, "second": 10}
